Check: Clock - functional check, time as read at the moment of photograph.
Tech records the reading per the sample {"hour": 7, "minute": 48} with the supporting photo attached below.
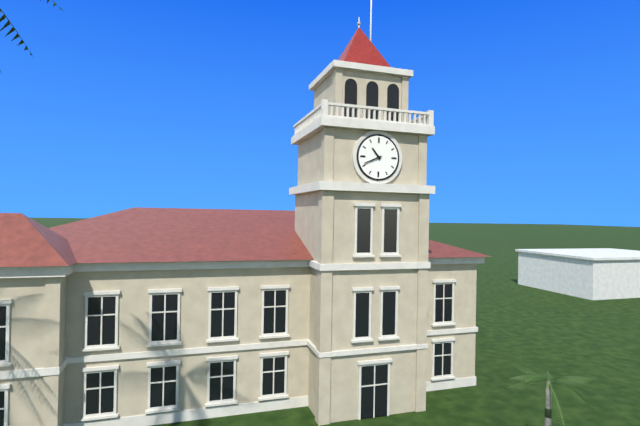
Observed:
{"hour": 10, "minute": 41}
